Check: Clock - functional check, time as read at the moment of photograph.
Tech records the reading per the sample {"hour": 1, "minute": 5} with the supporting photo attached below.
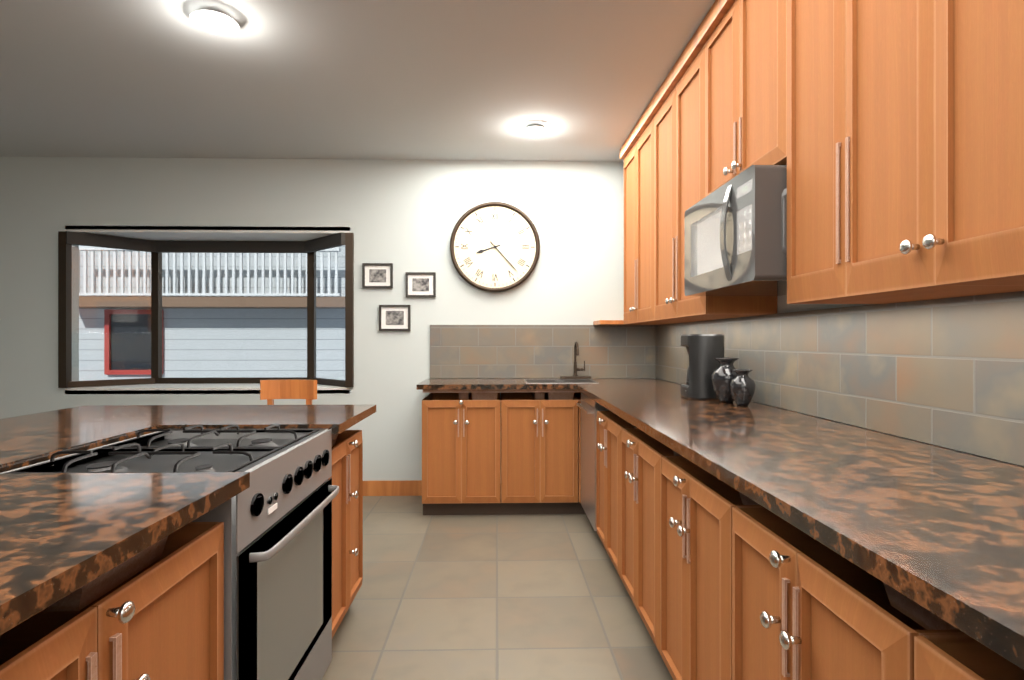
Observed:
{"hour": 8, "minute": 23}
